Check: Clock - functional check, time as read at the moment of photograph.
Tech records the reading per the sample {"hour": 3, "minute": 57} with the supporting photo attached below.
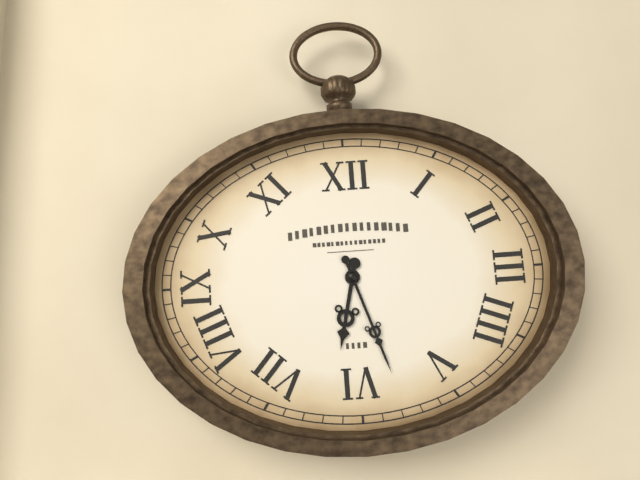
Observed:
{"hour": 6, "minute": 27}
